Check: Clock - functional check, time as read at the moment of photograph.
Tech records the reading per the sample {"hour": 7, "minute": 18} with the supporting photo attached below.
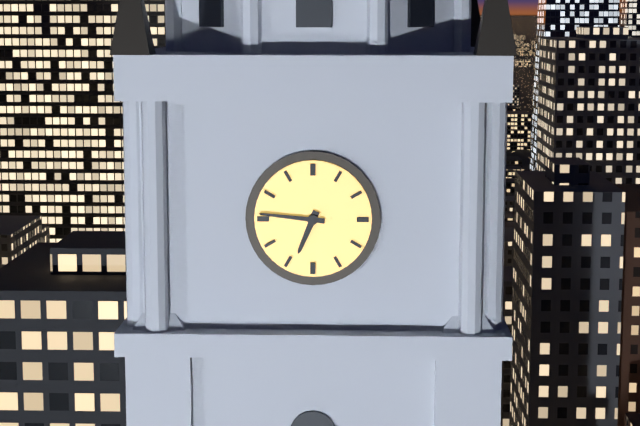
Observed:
{"hour": 6, "minute": 46}
